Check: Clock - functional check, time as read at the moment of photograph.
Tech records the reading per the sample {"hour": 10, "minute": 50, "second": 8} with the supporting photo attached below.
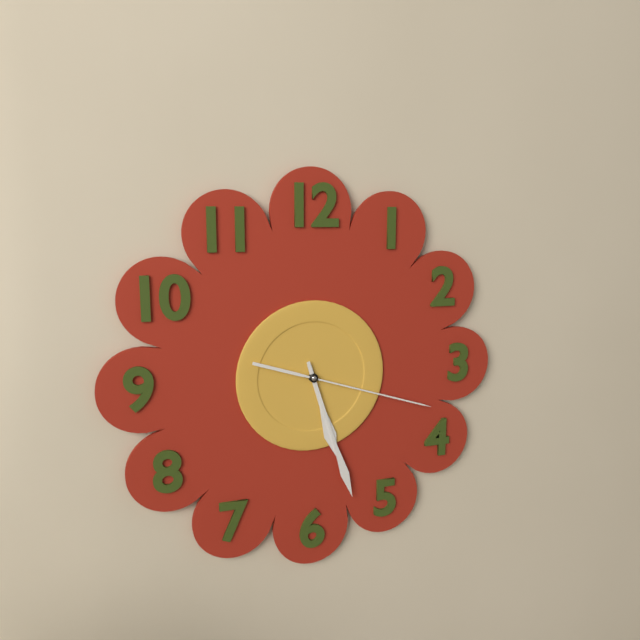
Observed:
{"hour": 5, "minute": 27, "second": 18}
